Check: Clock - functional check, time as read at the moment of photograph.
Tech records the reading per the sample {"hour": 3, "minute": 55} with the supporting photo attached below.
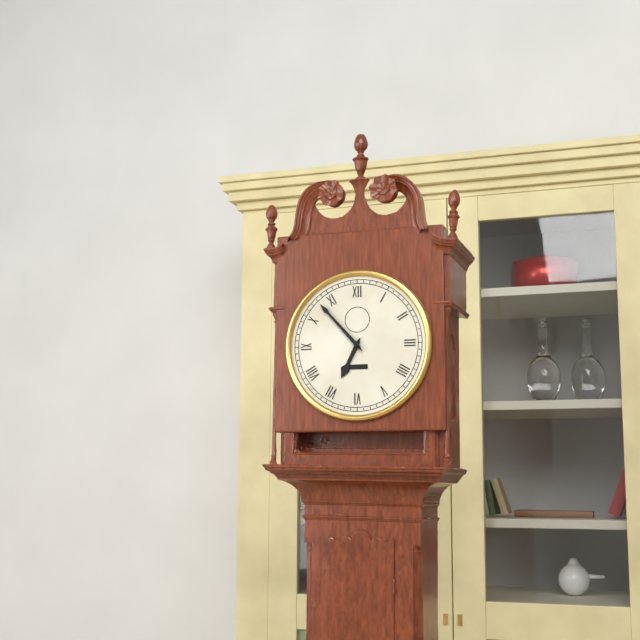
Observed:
{"hour": 6, "minute": 53}
